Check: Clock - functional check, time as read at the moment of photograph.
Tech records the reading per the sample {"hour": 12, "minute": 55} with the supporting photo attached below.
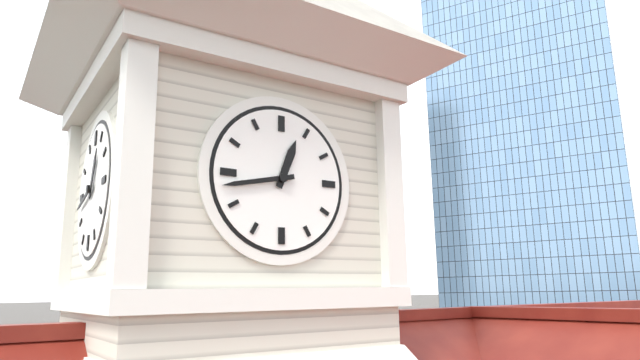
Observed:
{"hour": 12, "minute": 43}
